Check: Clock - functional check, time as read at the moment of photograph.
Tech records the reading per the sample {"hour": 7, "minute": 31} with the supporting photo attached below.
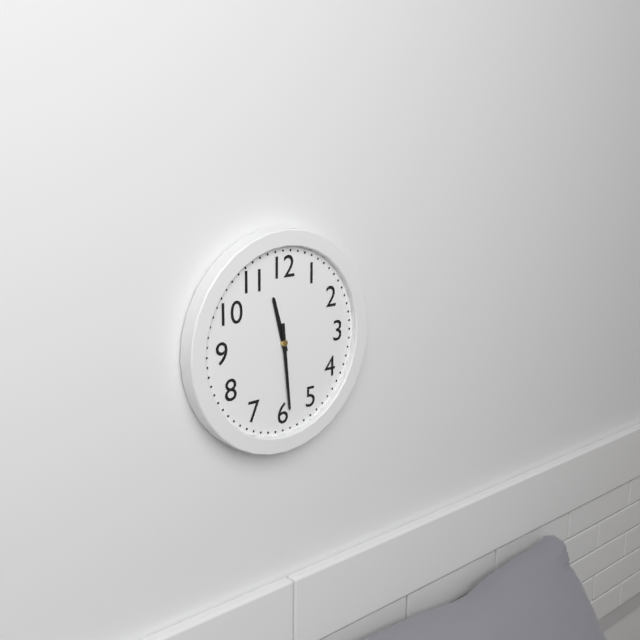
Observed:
{"hour": 11, "minute": 29}
